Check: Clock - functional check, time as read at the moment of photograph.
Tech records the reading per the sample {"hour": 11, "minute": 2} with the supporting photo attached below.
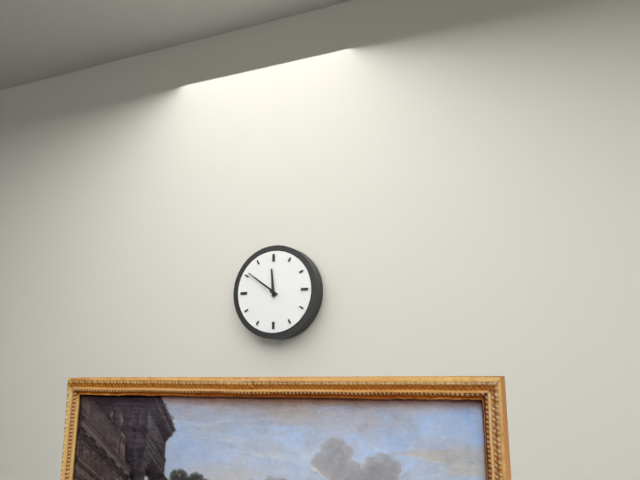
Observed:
{"hour": 11, "minute": 51}
